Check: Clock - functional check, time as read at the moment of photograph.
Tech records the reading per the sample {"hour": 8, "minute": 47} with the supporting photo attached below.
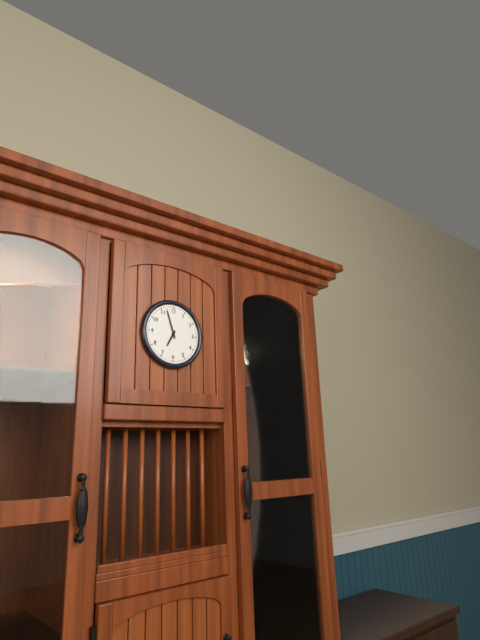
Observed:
{"hour": 6, "minute": 57}
